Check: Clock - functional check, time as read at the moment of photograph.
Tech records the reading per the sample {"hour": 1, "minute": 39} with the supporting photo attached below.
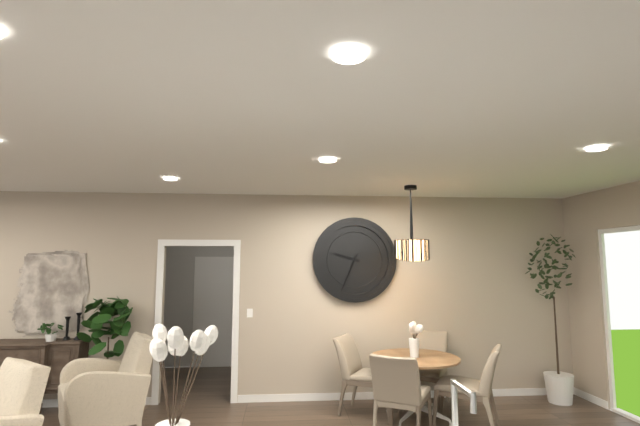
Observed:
{"hour": 9, "minute": 34}
